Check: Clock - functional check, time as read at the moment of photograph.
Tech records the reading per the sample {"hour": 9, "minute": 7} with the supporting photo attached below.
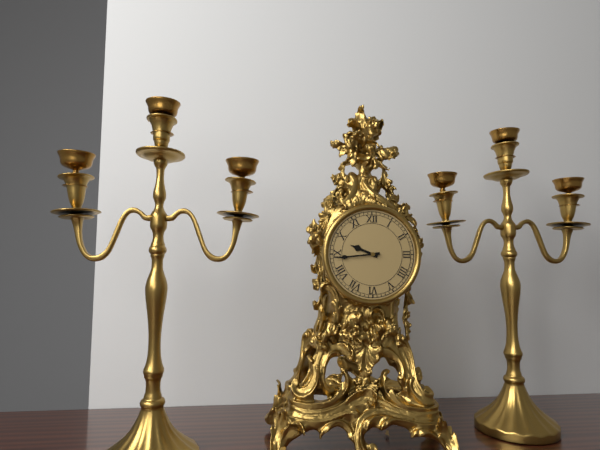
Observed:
{"hour": 9, "minute": 44}
